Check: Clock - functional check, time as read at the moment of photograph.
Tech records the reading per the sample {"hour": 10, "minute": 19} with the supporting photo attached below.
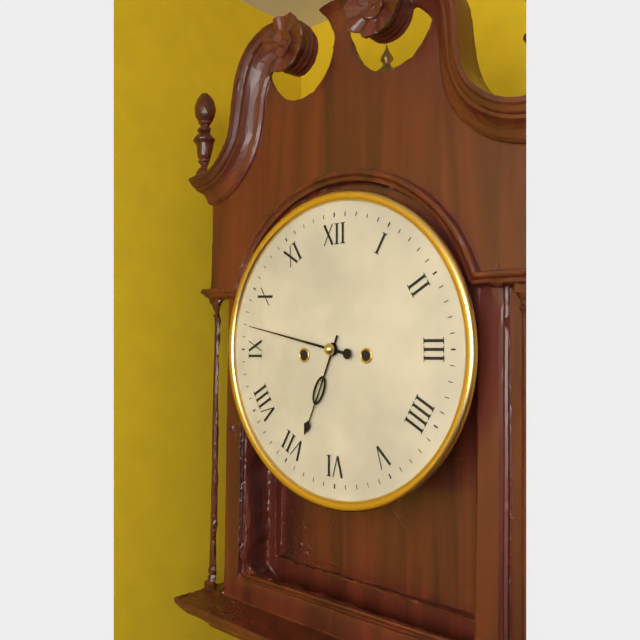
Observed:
{"hour": 6, "minute": 47}
